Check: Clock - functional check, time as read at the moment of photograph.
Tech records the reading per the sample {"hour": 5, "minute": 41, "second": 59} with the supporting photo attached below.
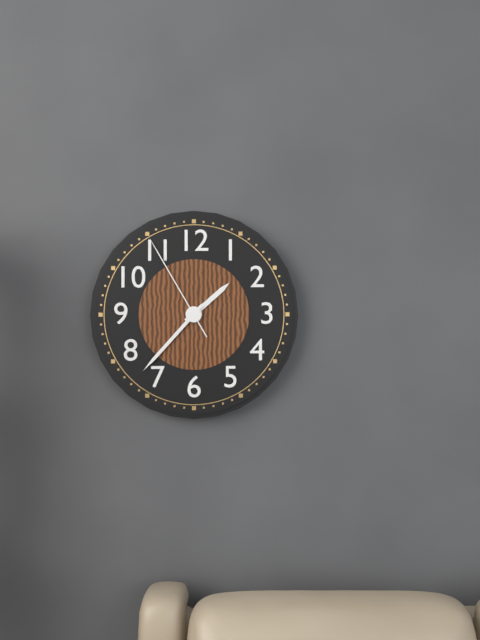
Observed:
{"hour": 1, "minute": 37, "second": 55}
